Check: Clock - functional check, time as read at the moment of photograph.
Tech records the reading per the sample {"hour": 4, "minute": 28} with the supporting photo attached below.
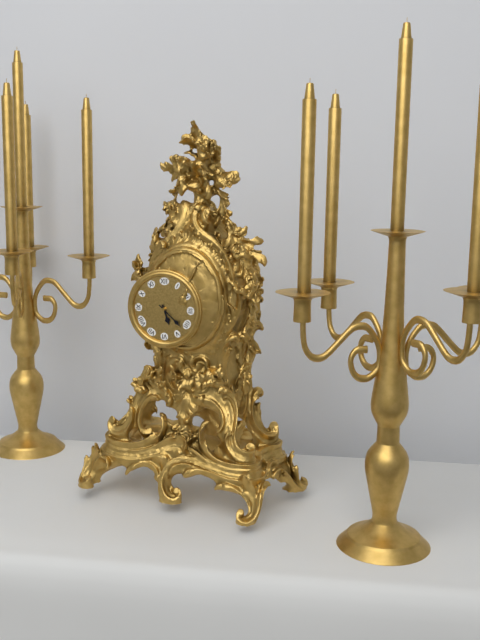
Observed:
{"hour": 5, "minute": 22}
